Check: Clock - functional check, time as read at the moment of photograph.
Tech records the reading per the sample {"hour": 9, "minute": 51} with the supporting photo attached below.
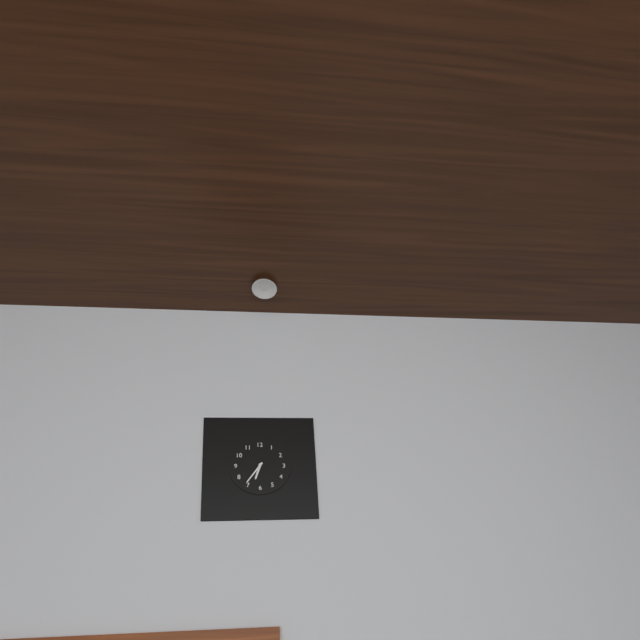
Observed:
{"hour": 6, "minute": 36}
